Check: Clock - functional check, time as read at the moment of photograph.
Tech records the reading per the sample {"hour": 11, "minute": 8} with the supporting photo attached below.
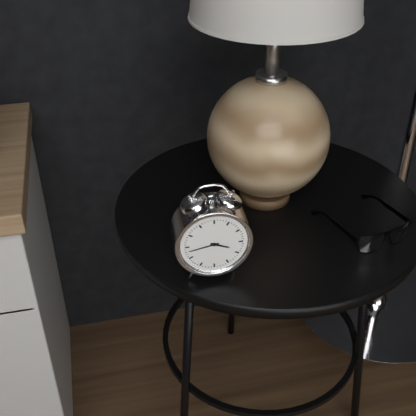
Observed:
{"hour": 3, "minute": 43}
